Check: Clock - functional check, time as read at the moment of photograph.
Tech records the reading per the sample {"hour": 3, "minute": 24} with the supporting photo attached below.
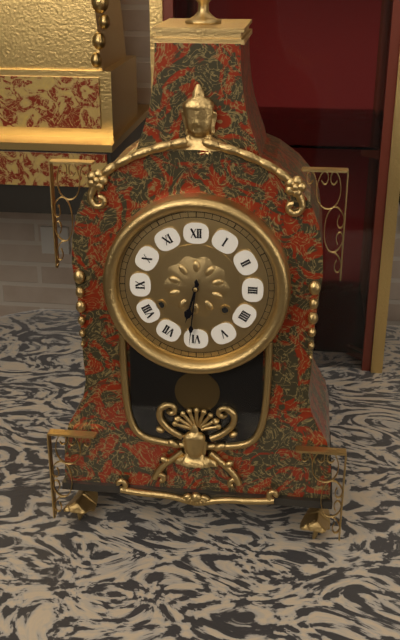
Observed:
{"hour": 6, "minute": 31}
